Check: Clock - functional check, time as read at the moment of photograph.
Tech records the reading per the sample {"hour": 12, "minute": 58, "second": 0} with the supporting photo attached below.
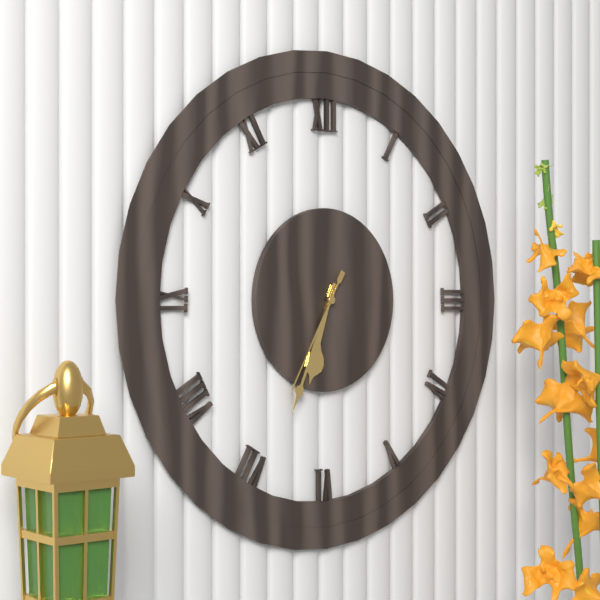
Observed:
{"hour": 6, "minute": 34, "second": 35}
